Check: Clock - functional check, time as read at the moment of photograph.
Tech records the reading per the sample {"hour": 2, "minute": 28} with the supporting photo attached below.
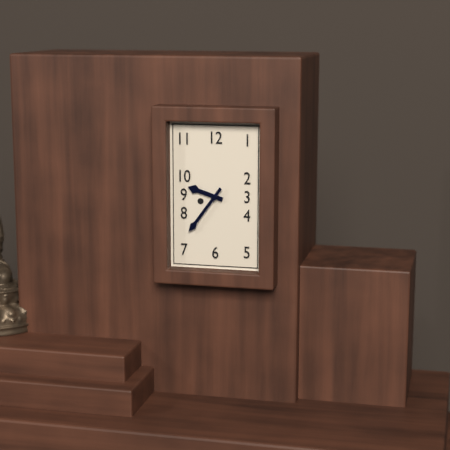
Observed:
{"hour": 9, "minute": 36}
